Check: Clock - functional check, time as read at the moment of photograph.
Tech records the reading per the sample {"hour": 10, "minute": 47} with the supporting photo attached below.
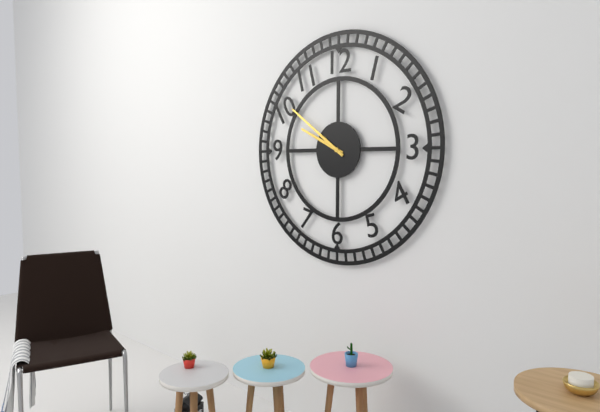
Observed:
{"hour": 9, "minute": 51}
